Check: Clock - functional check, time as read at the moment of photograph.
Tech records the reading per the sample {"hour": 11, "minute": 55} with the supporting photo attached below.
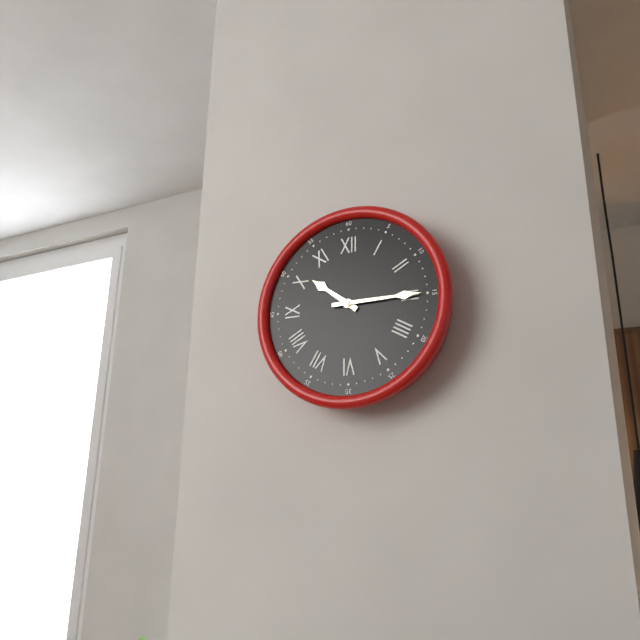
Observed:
{"hour": 10, "minute": 15}
